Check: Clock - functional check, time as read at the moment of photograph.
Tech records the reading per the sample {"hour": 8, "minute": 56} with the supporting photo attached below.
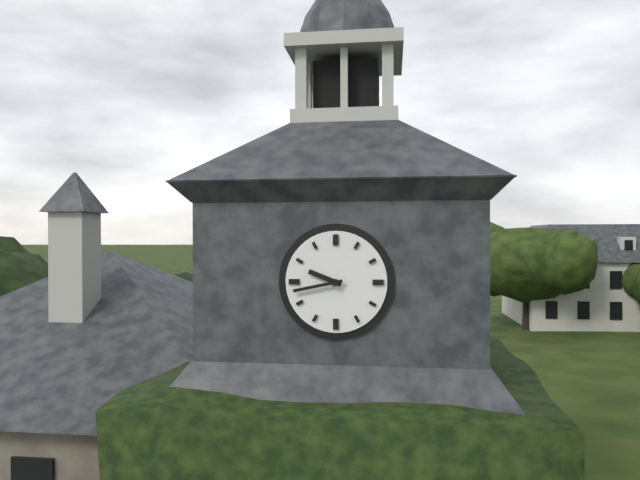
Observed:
{"hour": 9, "minute": 43}
